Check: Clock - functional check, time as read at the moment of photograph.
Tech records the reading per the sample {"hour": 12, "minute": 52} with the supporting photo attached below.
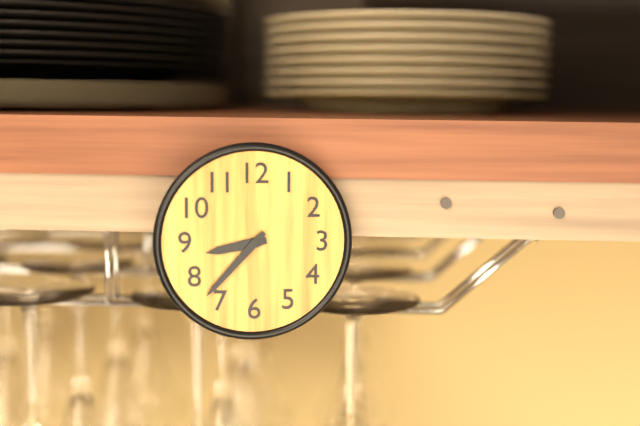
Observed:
{"hour": 8, "minute": 37}
